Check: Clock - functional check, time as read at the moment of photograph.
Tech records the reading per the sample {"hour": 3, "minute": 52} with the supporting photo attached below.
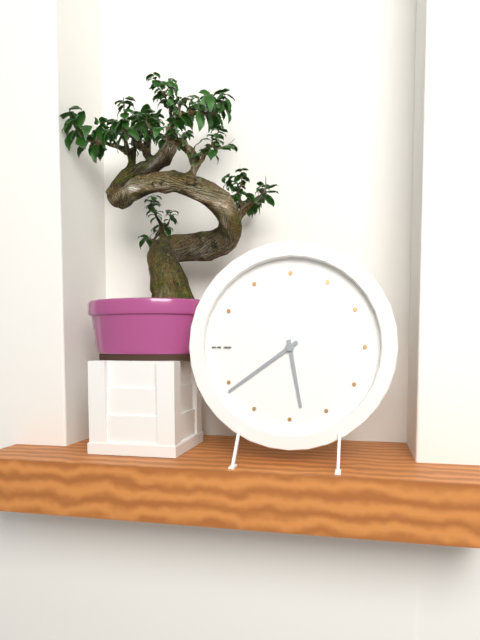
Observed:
{"hour": 5, "minute": 39}
